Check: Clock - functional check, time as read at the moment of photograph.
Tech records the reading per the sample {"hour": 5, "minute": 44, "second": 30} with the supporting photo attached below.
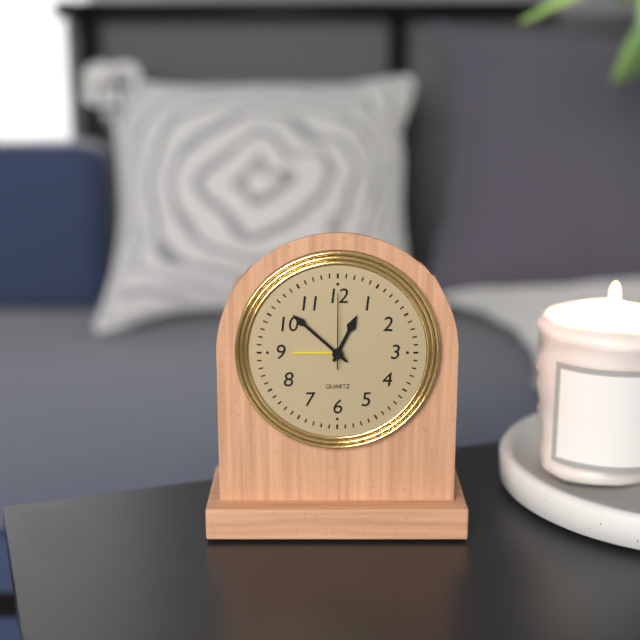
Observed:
{"hour": 12, "minute": 52, "second": 0}
